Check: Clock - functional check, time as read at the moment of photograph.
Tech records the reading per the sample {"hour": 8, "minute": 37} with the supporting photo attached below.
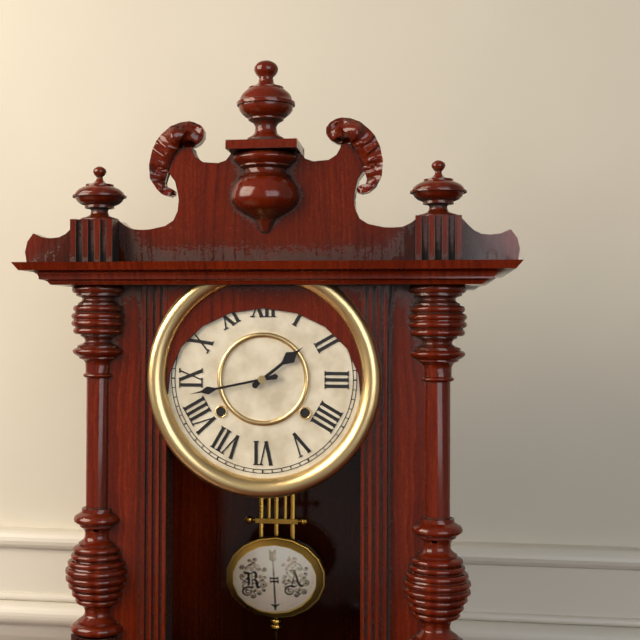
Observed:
{"hour": 1, "minute": 43}
